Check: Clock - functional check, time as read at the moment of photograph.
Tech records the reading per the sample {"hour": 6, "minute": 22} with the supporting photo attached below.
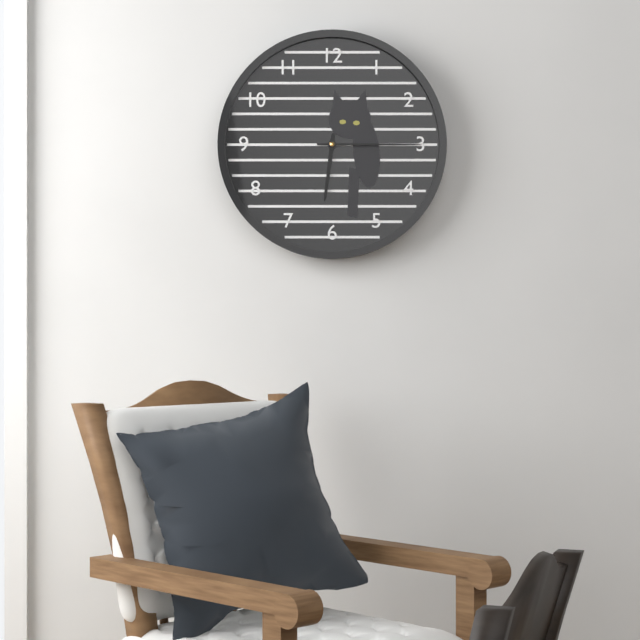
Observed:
{"hour": 6, "minute": 15}
